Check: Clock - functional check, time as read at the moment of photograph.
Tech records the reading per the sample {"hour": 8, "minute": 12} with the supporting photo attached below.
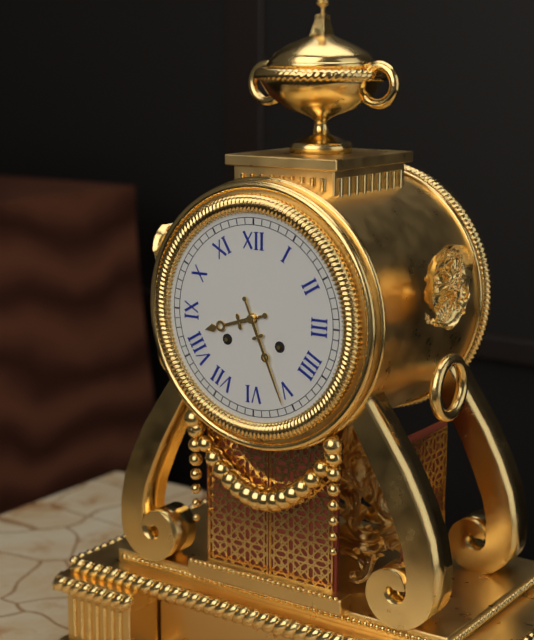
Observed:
{"hour": 8, "minute": 26}
